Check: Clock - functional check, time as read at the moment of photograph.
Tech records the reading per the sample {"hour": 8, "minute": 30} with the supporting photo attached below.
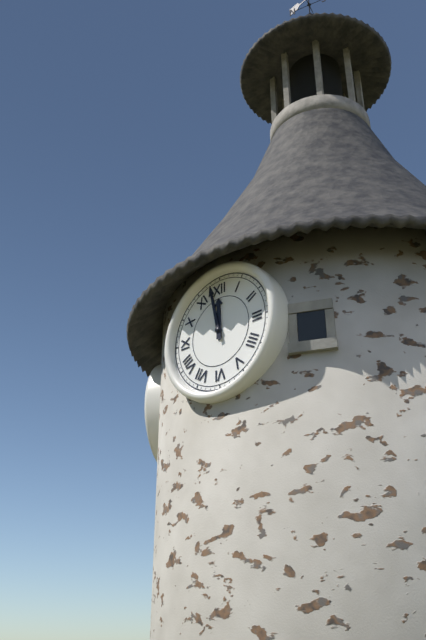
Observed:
{"hour": 11, "minute": 58}
